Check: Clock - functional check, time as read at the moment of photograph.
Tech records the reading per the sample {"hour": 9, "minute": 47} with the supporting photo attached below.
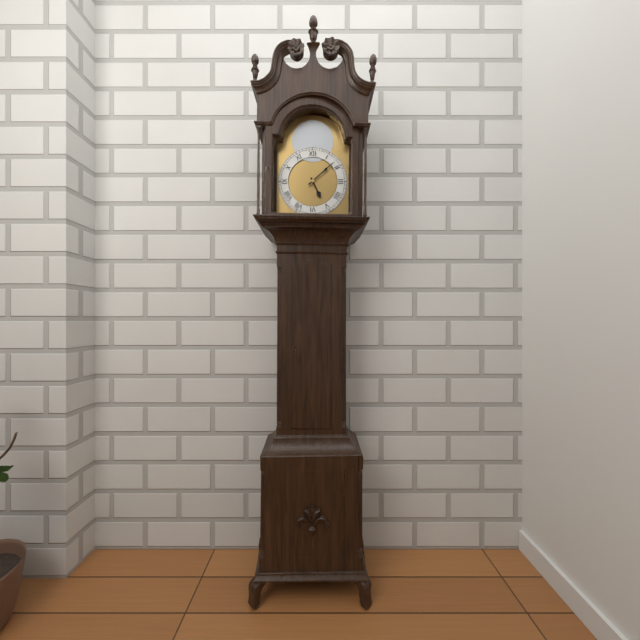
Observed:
{"hour": 5, "minute": 8}
